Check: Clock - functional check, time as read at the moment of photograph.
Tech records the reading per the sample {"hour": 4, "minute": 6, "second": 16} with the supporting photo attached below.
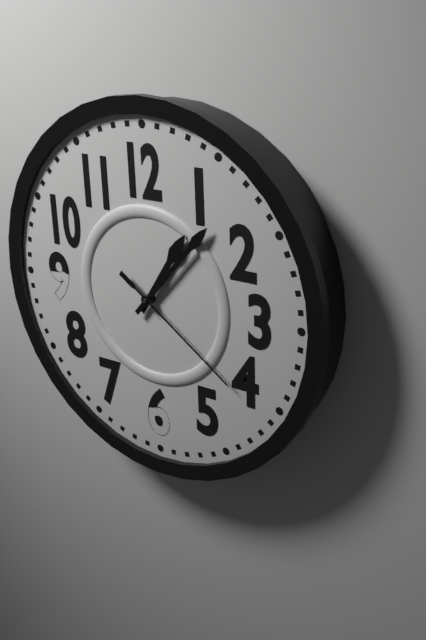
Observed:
{"hour": 1, "minute": 7, "second": 21}
